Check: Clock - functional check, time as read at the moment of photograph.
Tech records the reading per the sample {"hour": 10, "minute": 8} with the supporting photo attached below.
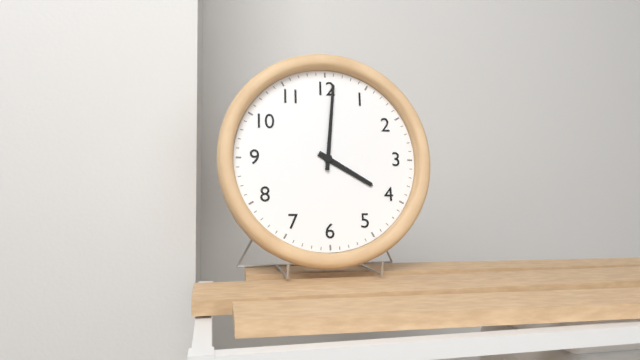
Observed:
{"hour": 4, "minute": 1}
